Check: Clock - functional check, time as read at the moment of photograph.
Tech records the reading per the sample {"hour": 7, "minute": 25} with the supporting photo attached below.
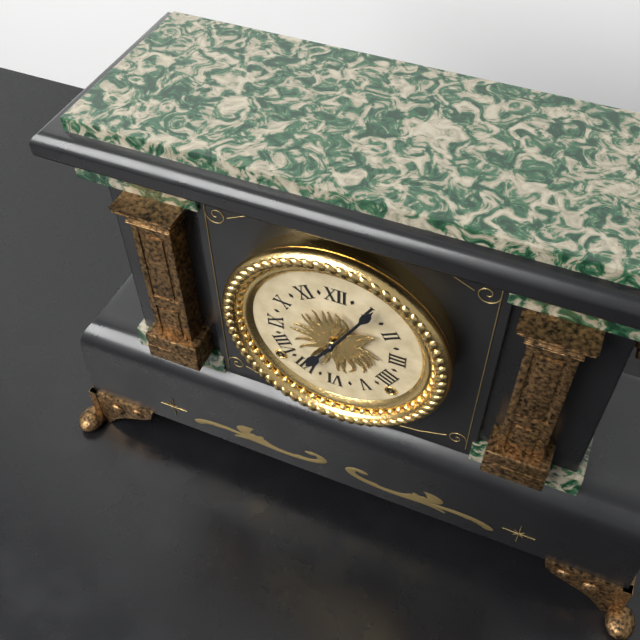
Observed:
{"hour": 7, "minute": 5}
